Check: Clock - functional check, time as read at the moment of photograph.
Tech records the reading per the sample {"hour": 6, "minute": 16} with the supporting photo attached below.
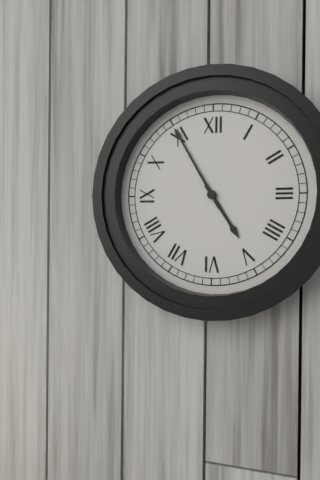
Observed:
{"hour": 4, "minute": 55}
